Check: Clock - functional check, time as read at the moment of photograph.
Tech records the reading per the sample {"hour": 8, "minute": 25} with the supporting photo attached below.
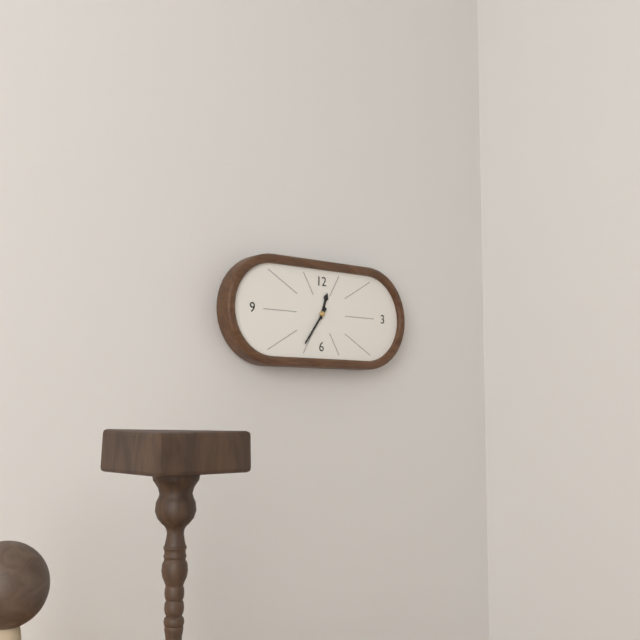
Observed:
{"hour": 12, "minute": 36}
